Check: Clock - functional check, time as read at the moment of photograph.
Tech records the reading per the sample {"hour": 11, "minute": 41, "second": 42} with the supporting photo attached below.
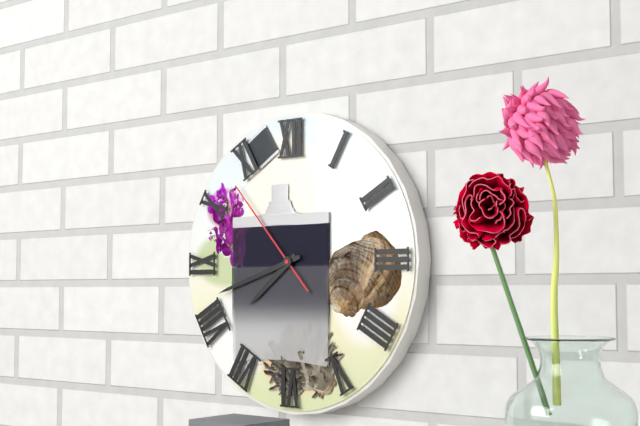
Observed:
{"hour": 7, "minute": 42, "second": 53}
